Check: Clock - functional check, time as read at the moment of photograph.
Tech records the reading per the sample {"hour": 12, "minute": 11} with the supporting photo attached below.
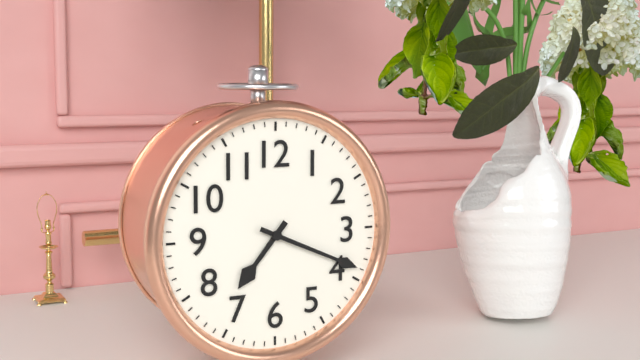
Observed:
{"hour": 7, "minute": 19}
